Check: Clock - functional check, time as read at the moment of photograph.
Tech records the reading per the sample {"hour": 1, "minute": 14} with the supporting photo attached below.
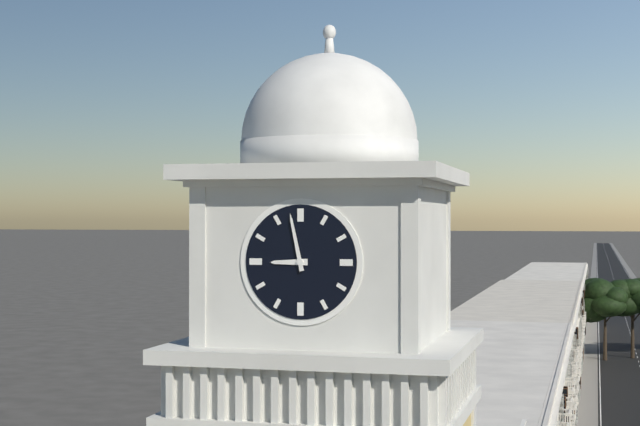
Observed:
{"hour": 8, "minute": 58}
